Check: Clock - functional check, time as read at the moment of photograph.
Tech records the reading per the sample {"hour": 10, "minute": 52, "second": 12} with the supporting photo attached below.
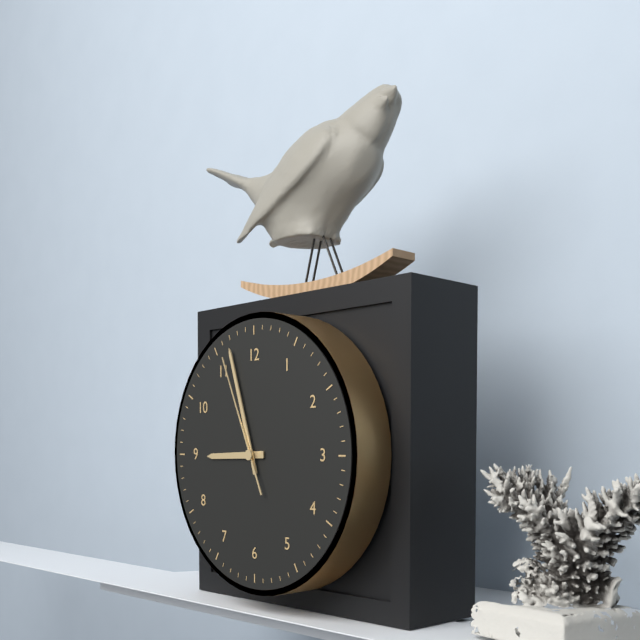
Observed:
{"hour": 8, "minute": 57, "second": 56}
